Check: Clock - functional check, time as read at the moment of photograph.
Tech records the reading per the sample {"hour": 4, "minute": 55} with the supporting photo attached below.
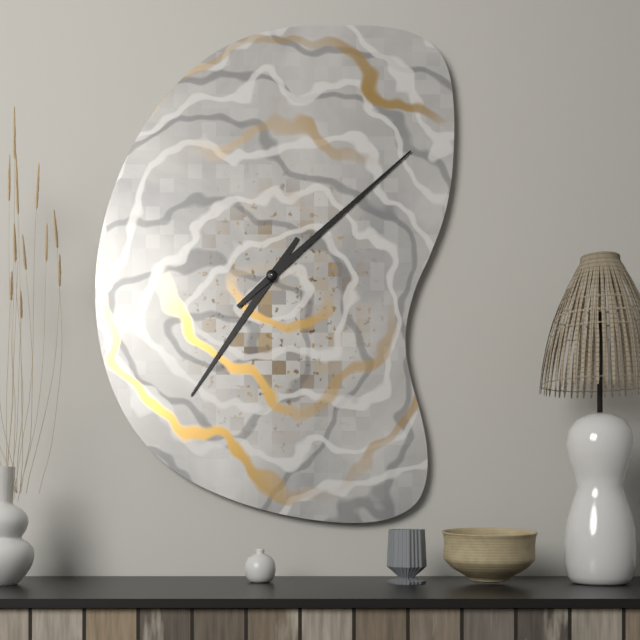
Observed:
{"hour": 7, "minute": 8}
